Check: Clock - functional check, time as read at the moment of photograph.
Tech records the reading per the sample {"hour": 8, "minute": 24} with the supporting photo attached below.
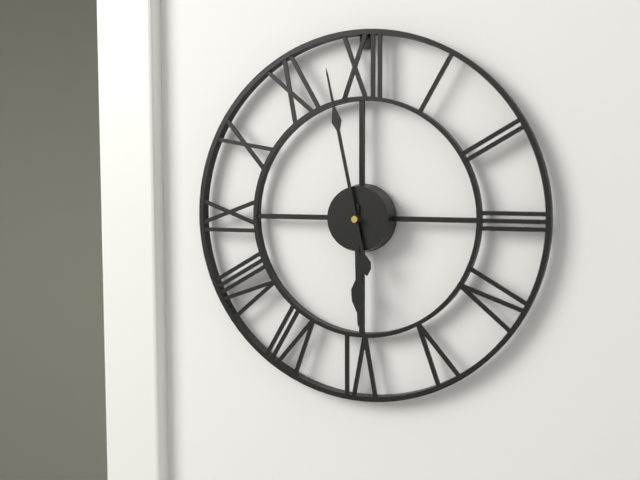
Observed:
{"hour": 5, "minute": 58}
